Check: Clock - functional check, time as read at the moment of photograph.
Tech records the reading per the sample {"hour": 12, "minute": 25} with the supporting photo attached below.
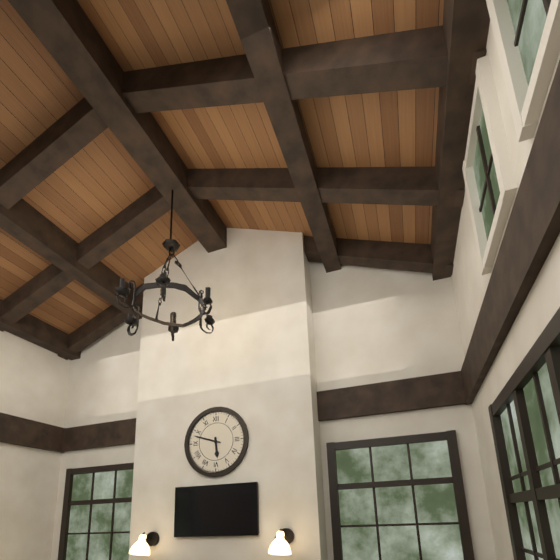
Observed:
{"hour": 5, "minute": 48}
